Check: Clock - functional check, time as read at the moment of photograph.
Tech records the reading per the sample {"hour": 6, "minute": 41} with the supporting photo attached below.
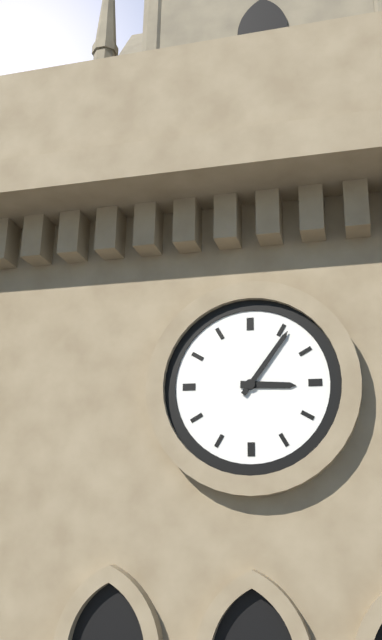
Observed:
{"hour": 3, "minute": 6}
